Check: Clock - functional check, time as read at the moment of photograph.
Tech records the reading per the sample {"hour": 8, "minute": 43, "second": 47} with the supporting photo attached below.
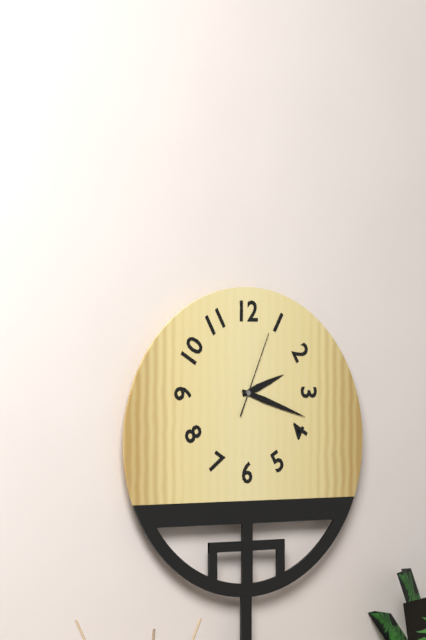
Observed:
{"hour": 2, "minute": 18, "second": 4}
